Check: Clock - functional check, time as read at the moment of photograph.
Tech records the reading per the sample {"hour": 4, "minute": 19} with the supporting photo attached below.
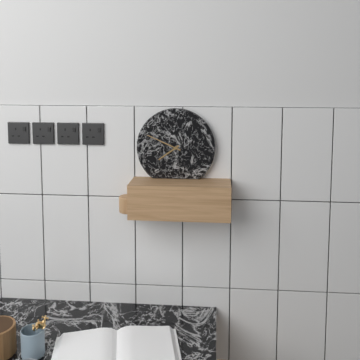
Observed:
{"hour": 7, "minute": 49}
